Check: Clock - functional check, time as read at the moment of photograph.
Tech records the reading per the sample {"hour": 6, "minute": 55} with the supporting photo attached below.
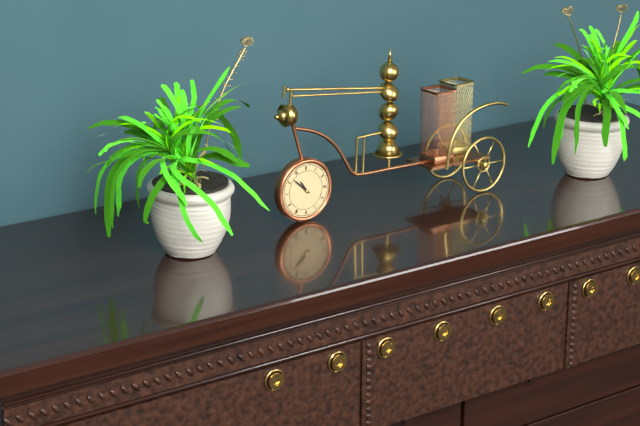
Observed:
{"hour": 10, "minute": 52}
